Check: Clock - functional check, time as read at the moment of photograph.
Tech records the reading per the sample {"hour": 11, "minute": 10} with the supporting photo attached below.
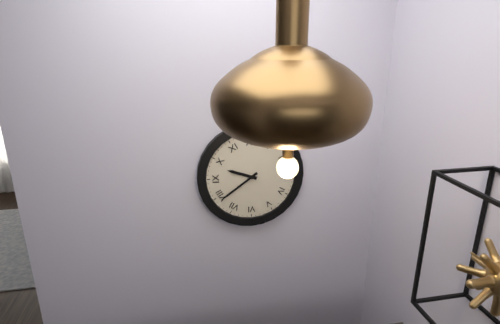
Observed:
{"hour": 9, "minute": 39}
